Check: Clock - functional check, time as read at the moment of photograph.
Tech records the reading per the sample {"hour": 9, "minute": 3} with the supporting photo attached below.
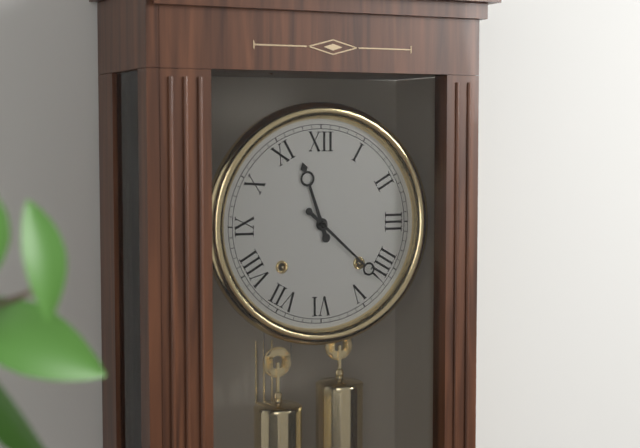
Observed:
{"hour": 11, "minute": 22}
